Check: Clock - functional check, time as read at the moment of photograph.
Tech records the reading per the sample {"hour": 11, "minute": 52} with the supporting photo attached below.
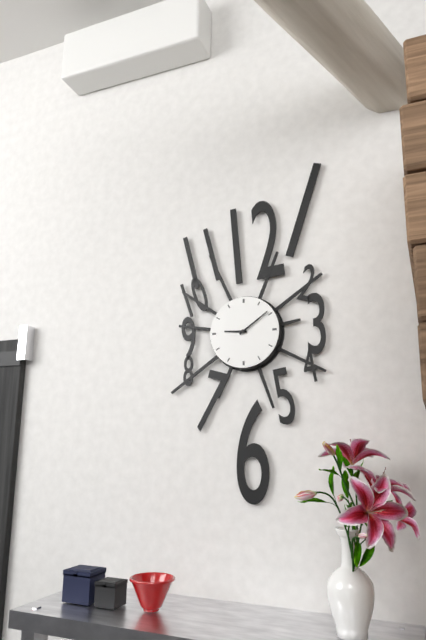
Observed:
{"hour": 9, "minute": 9}
